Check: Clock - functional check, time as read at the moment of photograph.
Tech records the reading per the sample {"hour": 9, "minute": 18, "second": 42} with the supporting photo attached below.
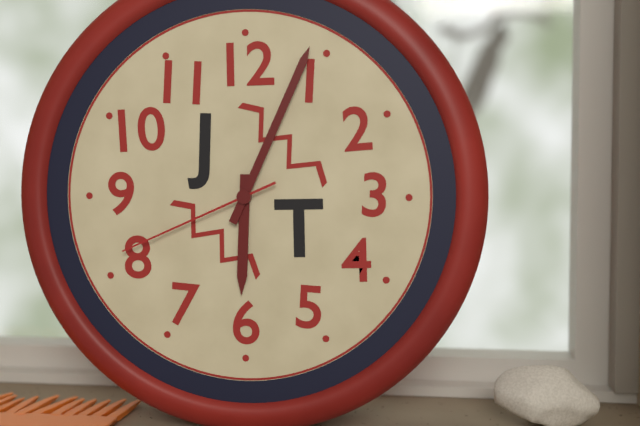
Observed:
{"hour": 6, "minute": 4, "second": 41}
